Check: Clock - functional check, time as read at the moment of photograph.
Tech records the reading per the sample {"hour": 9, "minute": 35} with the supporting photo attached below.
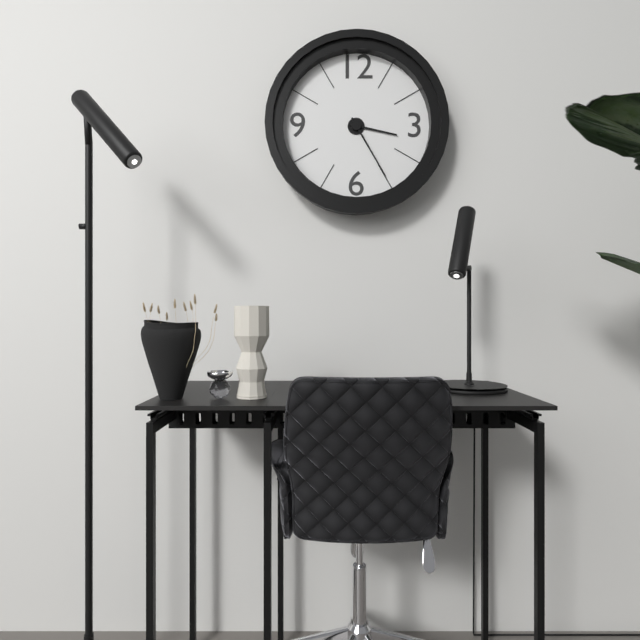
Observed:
{"hour": 3, "minute": 25}
